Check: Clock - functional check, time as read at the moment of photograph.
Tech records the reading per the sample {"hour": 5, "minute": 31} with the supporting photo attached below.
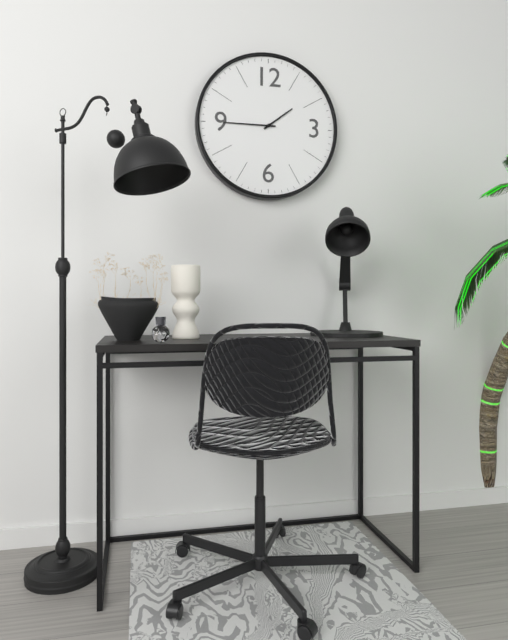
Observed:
{"hour": 1, "minute": 45}
